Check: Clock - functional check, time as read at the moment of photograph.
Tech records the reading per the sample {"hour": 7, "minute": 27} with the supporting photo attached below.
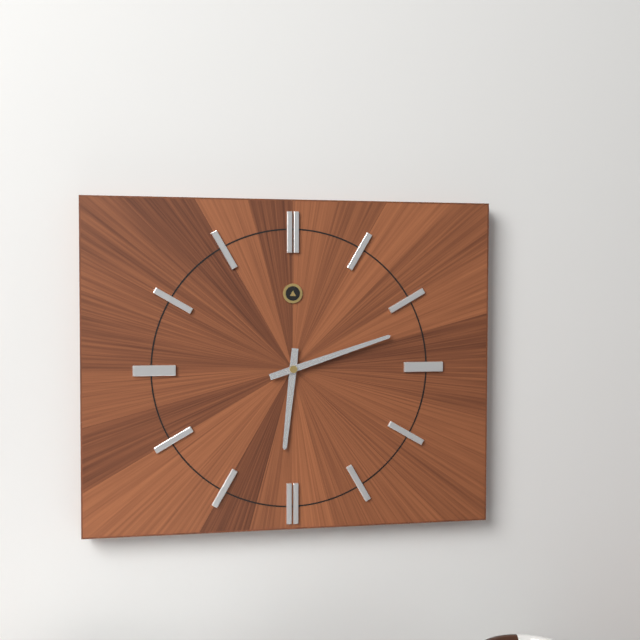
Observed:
{"hour": 6, "minute": 12}
